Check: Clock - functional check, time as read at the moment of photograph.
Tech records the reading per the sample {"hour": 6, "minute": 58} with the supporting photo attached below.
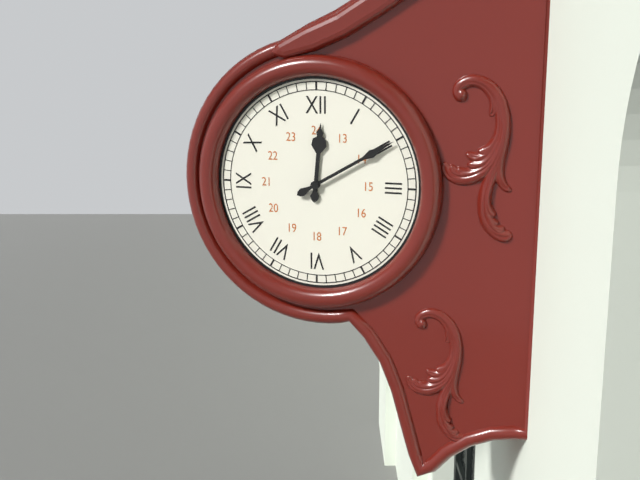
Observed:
{"hour": 12, "minute": 10}
